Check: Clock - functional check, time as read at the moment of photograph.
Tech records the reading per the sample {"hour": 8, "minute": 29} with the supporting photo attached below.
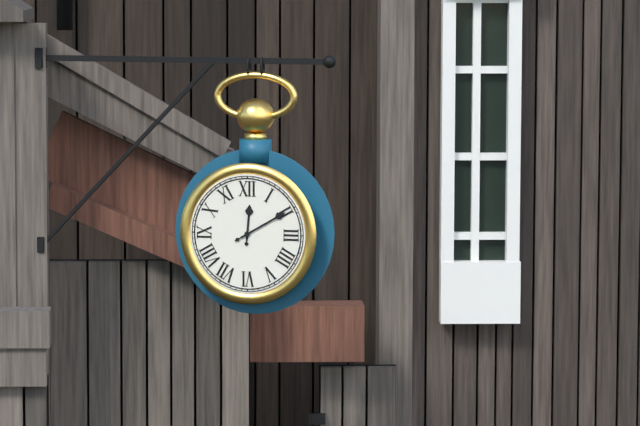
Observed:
{"hour": 12, "minute": 10}
